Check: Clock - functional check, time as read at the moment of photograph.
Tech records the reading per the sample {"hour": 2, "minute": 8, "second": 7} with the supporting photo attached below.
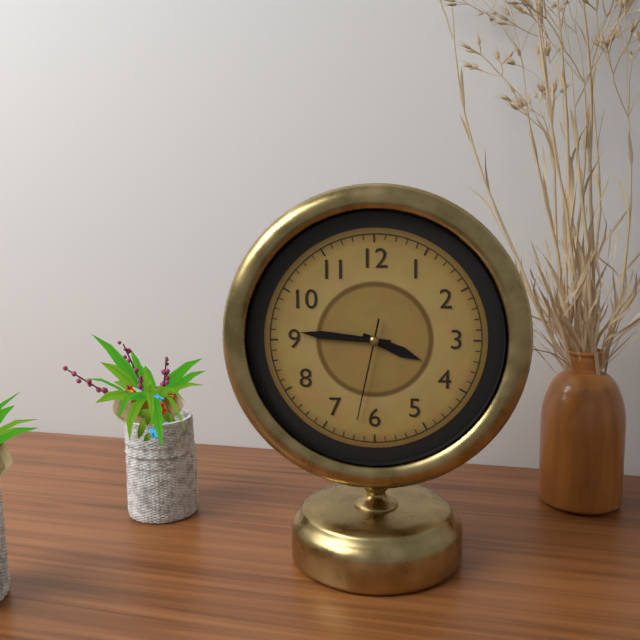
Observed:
{"hour": 3, "minute": 46, "second": 32}
